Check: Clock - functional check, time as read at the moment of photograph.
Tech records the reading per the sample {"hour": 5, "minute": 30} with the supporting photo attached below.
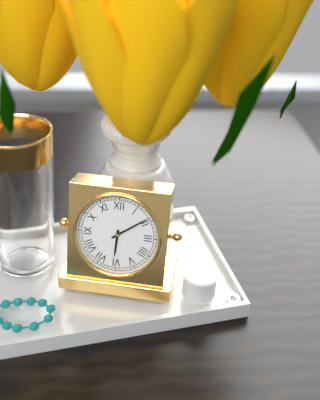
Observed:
{"hour": 6, "minute": 9}
